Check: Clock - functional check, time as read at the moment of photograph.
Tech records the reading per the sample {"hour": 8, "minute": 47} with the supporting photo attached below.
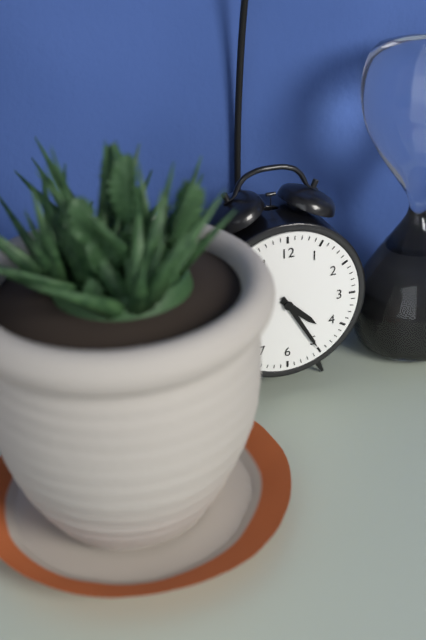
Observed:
{"hour": 4, "minute": 25}
